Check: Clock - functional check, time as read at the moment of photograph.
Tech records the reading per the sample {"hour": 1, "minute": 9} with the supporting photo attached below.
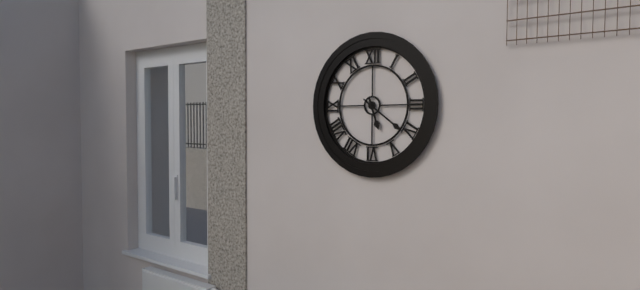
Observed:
{"hour": 5, "minute": 21}
